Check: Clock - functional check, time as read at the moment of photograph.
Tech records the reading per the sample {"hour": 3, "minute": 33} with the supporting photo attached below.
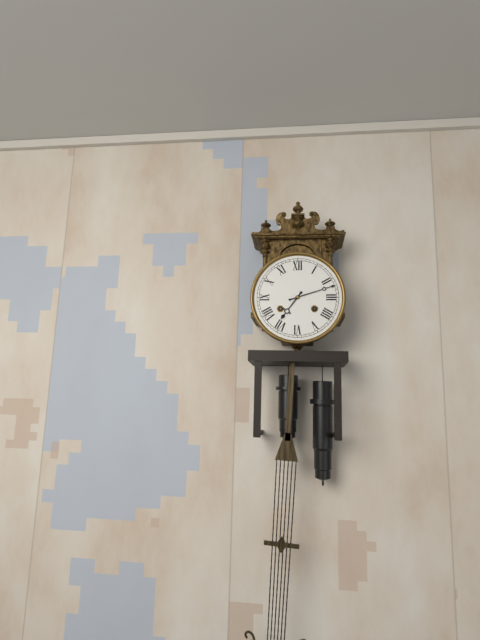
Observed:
{"hour": 7, "minute": 12}
